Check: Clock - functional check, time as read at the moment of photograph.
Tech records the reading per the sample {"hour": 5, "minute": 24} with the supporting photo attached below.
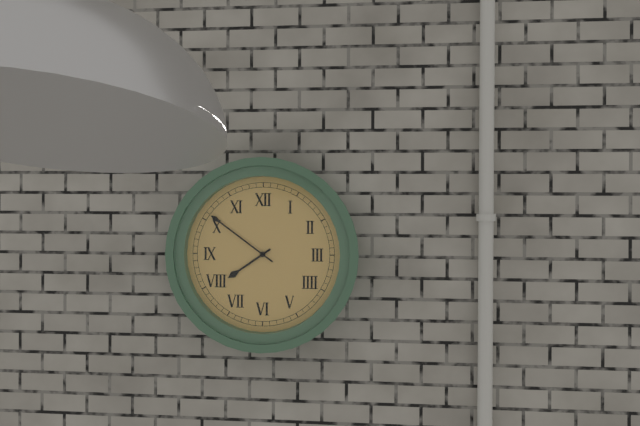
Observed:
{"hour": 7, "minute": 51}
